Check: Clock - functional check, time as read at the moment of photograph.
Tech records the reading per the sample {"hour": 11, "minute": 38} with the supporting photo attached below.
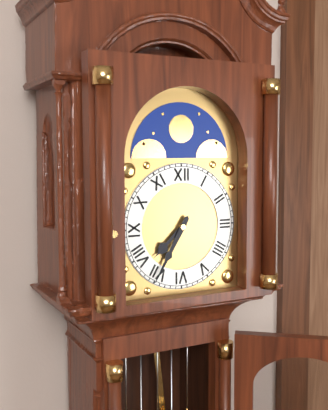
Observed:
{"hour": 7, "minute": 35}
